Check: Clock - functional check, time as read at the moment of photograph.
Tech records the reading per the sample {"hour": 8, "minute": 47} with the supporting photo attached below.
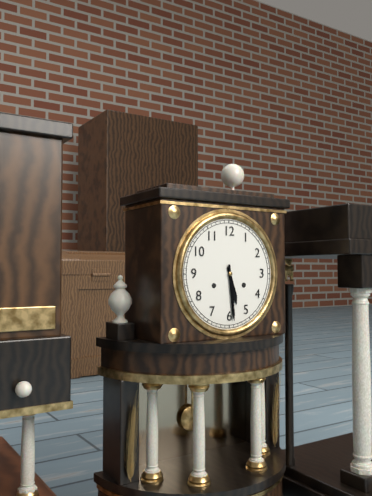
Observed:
{"hour": 5, "minute": 29}
